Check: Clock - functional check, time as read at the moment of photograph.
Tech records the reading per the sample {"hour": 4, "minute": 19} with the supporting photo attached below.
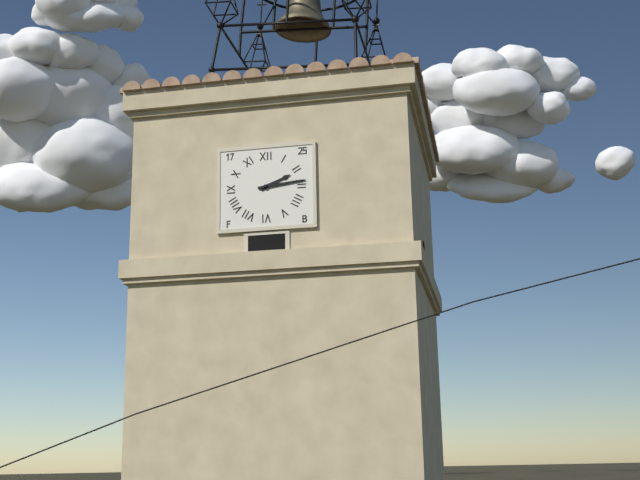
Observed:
{"hour": 2, "minute": 14}
